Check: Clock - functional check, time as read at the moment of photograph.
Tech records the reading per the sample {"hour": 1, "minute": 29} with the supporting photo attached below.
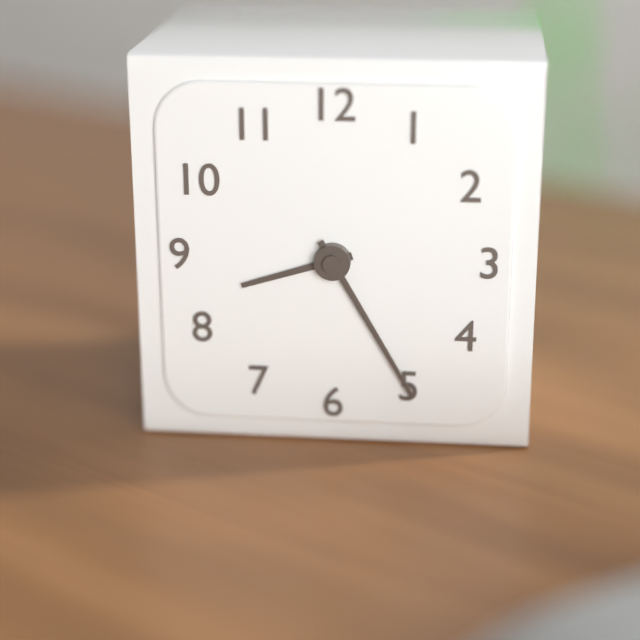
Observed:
{"hour": 8, "minute": 25}
